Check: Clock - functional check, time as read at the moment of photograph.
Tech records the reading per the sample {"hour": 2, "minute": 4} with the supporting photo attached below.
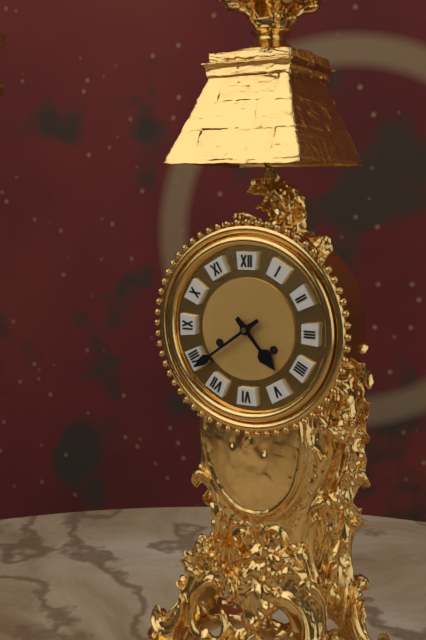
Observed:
{"hour": 4, "minute": 39}
